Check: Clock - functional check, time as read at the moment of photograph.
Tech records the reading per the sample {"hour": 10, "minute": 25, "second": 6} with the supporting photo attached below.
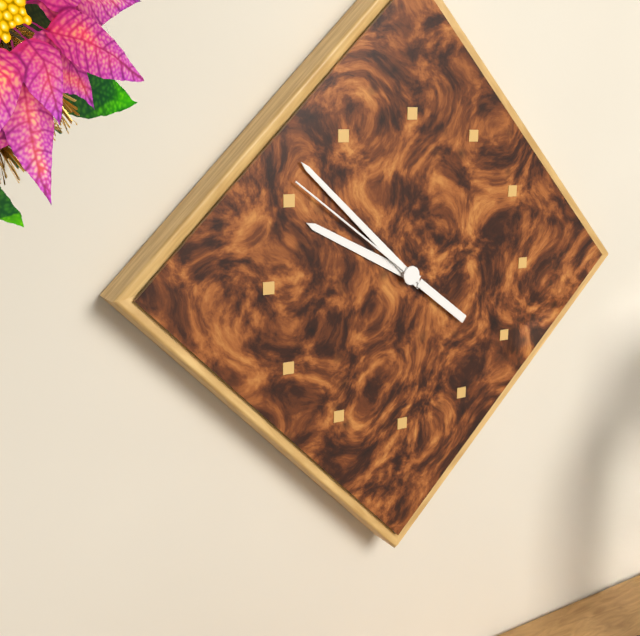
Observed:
{"hour": 9, "minute": 52, "second": 51}
